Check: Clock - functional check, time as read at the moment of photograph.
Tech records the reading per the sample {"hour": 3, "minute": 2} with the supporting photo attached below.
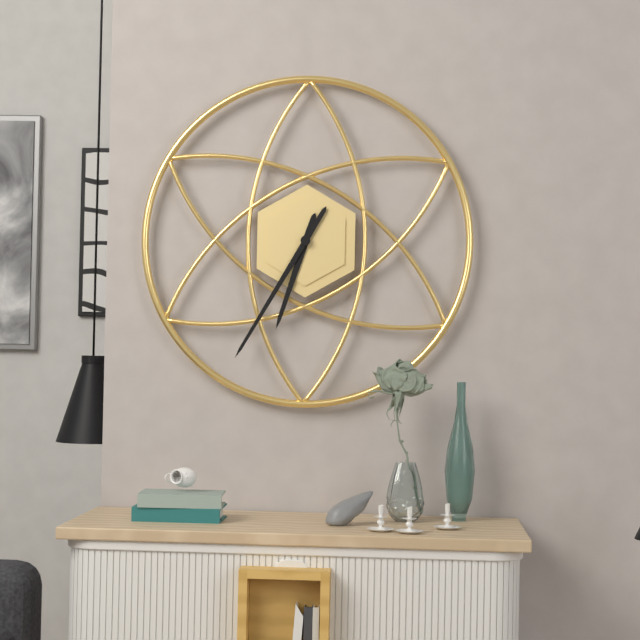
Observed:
{"hour": 6, "minute": 35}
